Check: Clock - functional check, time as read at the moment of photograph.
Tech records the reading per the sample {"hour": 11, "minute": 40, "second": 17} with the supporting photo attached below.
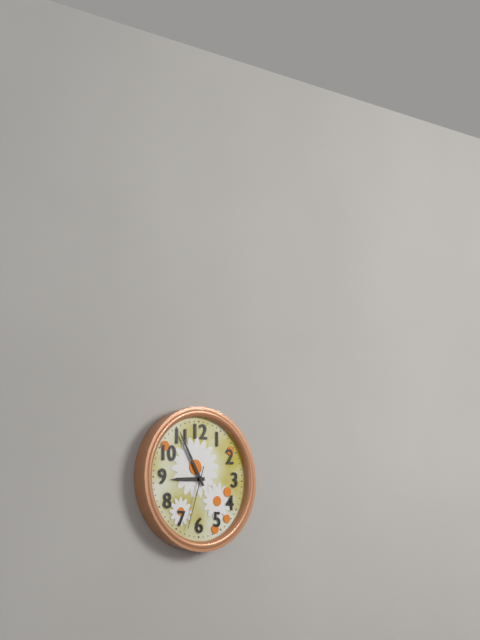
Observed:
{"hour": 8, "minute": 55, "second": 33}
